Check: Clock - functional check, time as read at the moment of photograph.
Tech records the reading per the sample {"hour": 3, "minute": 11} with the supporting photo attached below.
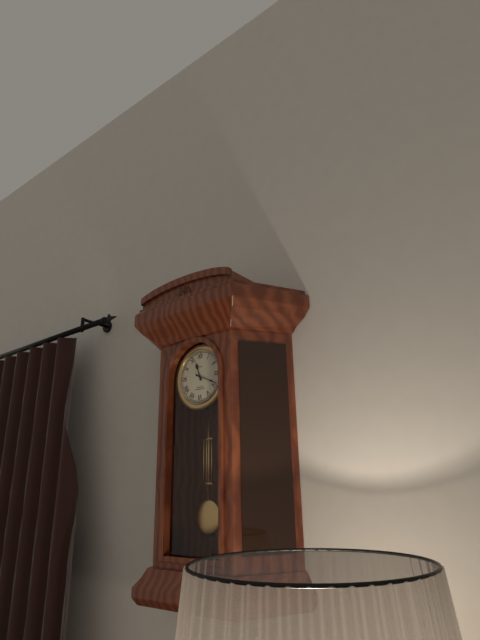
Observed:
{"hour": 11, "minute": 19}
